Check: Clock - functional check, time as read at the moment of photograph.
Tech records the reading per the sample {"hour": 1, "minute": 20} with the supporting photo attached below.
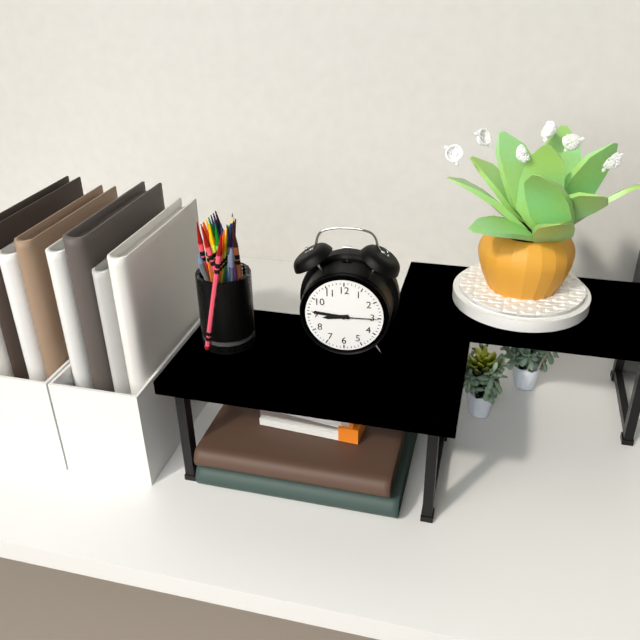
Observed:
{"hour": 8, "minute": 46}
